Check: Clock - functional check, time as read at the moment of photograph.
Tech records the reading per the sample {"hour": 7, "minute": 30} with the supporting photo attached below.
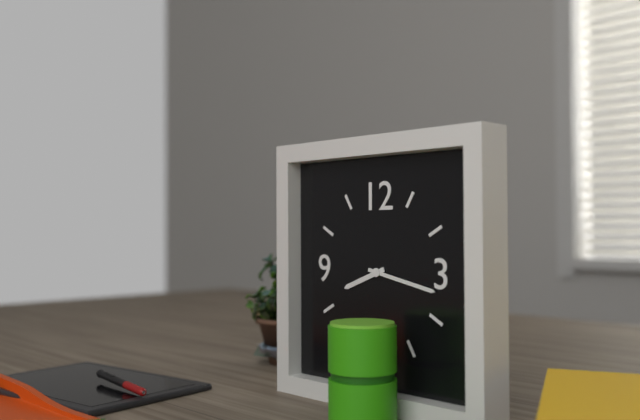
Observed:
{"hour": 8, "minute": 17}
